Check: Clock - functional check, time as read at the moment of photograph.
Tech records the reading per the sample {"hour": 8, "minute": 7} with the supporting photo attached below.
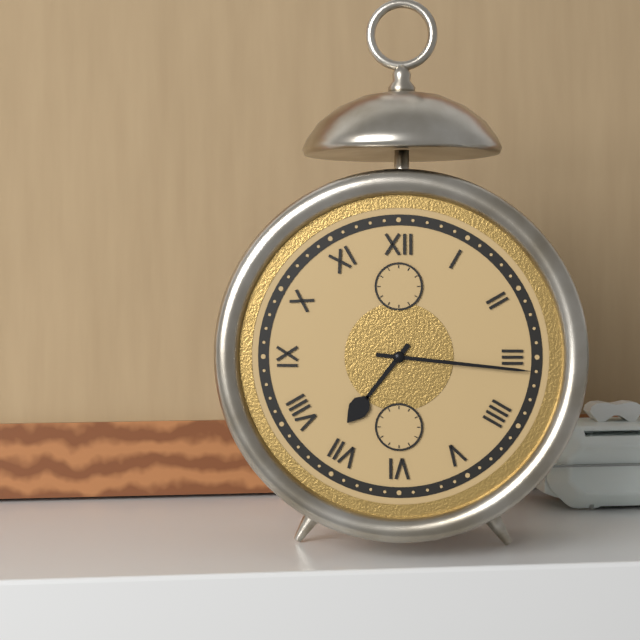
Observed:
{"hour": 7, "minute": 16}
